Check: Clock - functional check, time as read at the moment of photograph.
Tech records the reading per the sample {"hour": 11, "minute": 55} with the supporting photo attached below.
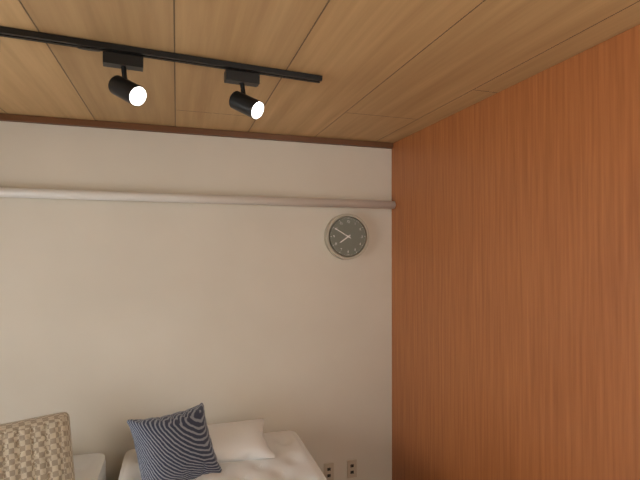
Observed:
{"hour": 7, "minute": 50}
